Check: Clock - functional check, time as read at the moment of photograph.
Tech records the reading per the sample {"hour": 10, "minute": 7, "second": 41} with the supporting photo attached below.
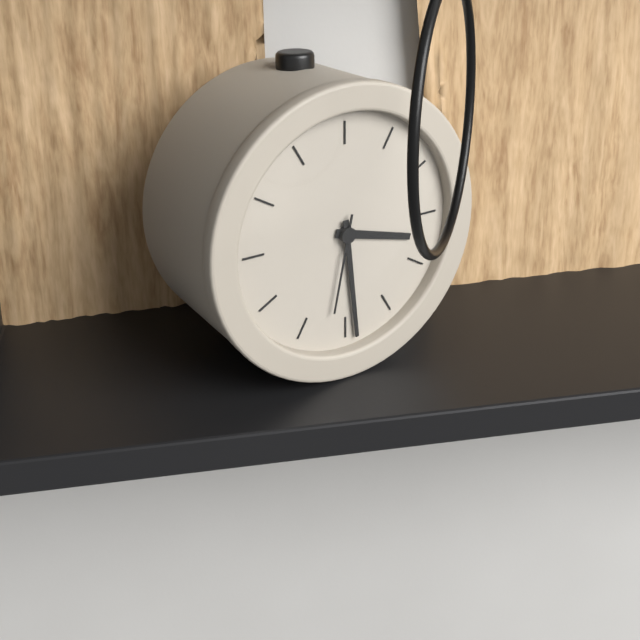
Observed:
{"hour": 3, "minute": 29, "second": 32}
